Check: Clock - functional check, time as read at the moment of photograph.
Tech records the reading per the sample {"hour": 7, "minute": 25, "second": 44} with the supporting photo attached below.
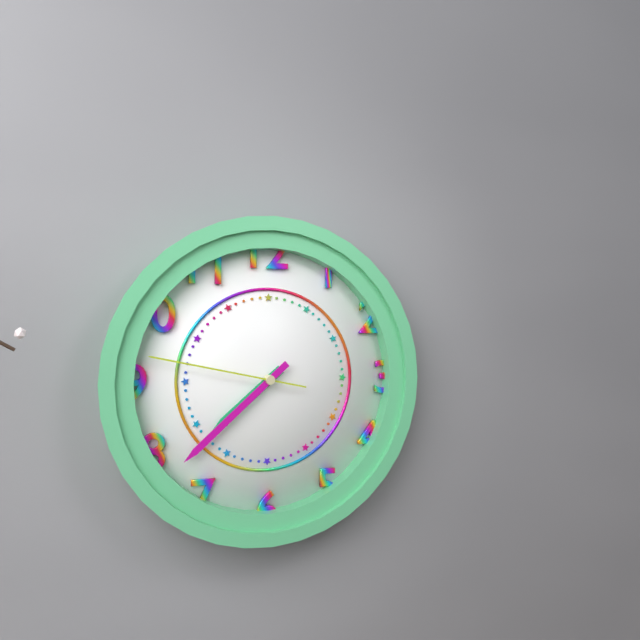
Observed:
{"hour": 7, "minute": 38, "second": 47}
